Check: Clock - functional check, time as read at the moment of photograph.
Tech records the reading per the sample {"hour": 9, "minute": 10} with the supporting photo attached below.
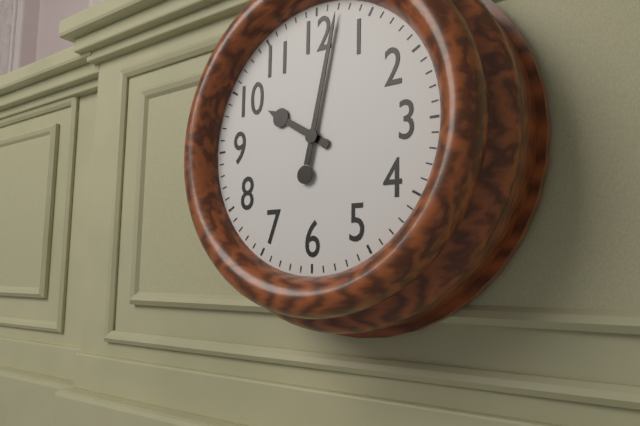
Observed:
{"hour": 10, "minute": 2}
